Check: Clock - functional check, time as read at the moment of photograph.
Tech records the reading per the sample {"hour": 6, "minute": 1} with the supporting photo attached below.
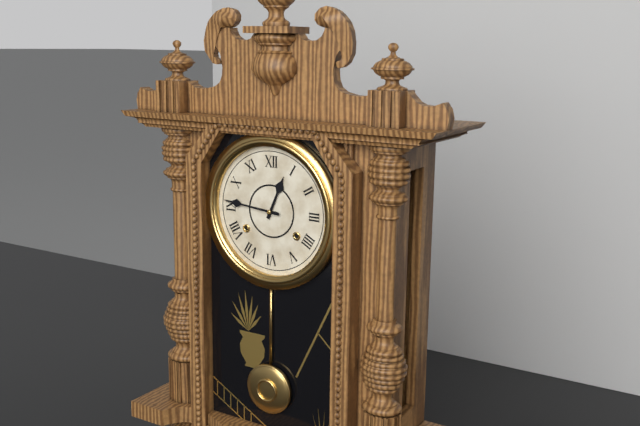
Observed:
{"hour": 12, "minute": 46}
